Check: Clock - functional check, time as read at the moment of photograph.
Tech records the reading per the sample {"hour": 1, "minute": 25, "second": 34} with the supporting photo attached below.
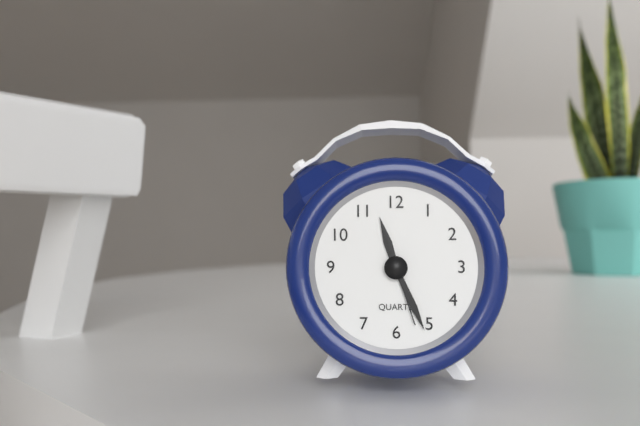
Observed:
{"hour": 11, "minute": 26, "second": 27}
